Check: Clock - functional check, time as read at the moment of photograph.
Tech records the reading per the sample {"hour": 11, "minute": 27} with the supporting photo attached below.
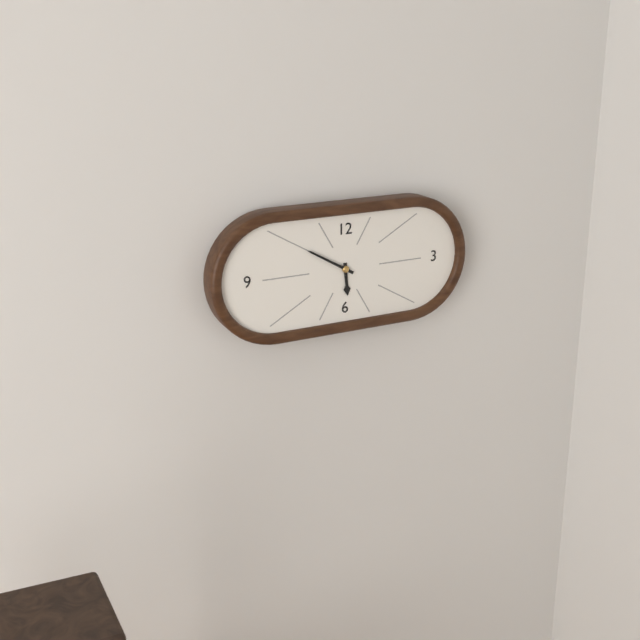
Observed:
{"hour": 5, "minute": 50}
